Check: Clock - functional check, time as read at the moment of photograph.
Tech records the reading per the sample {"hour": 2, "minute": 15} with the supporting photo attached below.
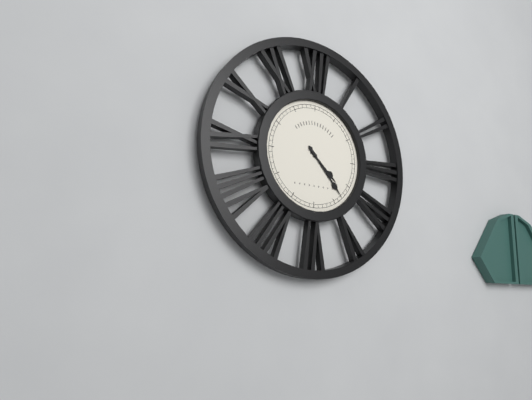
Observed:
{"hour": 4, "minute": 23}
